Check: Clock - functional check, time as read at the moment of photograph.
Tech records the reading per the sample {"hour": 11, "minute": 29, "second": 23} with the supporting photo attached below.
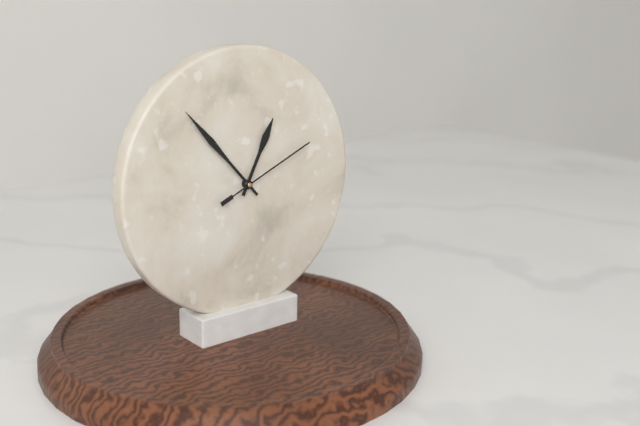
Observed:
{"hour": 12, "minute": 53, "second": 11}
